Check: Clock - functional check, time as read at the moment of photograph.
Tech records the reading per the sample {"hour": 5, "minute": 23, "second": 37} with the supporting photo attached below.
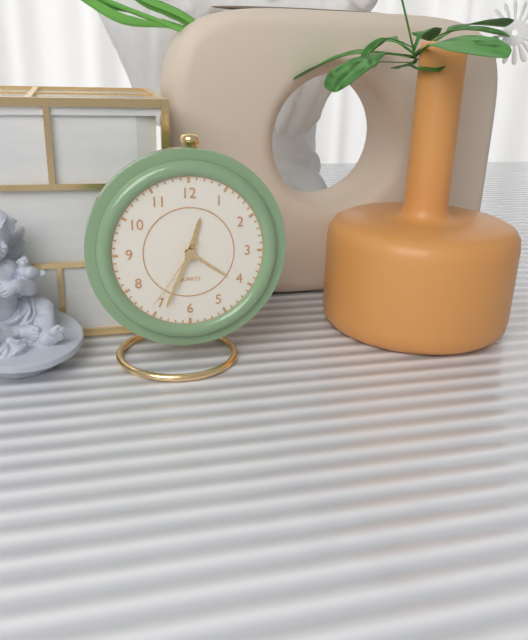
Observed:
{"hour": 12, "minute": 34, "second": 36}
